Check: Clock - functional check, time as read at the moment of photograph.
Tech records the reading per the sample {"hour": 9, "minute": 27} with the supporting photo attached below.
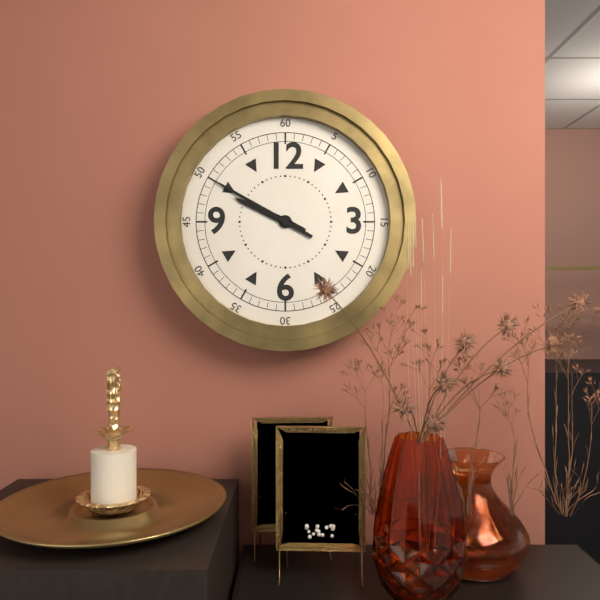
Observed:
{"hour": 9, "minute": 50}
